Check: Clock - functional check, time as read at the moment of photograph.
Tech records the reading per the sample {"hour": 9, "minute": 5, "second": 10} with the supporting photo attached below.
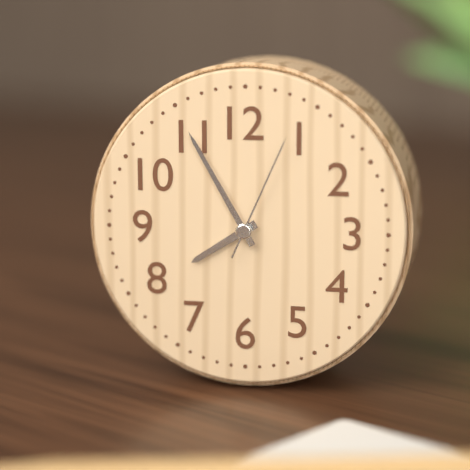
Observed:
{"hour": 7, "minute": 55, "second": 4}
